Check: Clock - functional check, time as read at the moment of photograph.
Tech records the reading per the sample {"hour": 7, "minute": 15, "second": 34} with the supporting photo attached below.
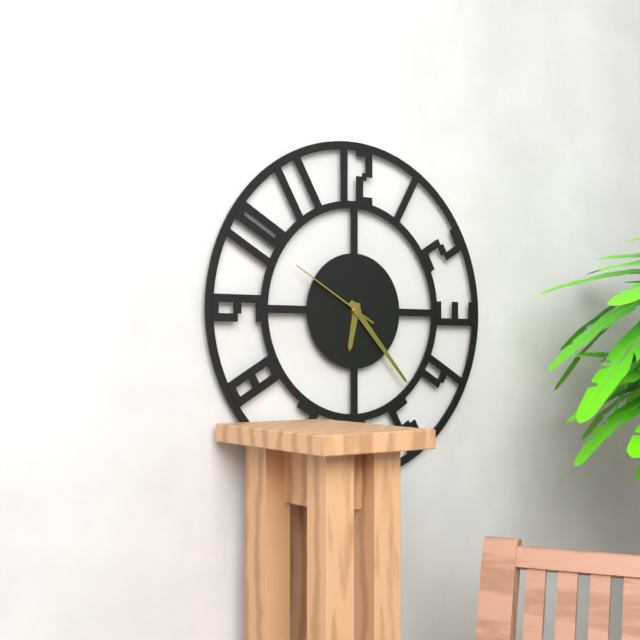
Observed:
{"hour": 6, "minute": 23, "second": 50}
